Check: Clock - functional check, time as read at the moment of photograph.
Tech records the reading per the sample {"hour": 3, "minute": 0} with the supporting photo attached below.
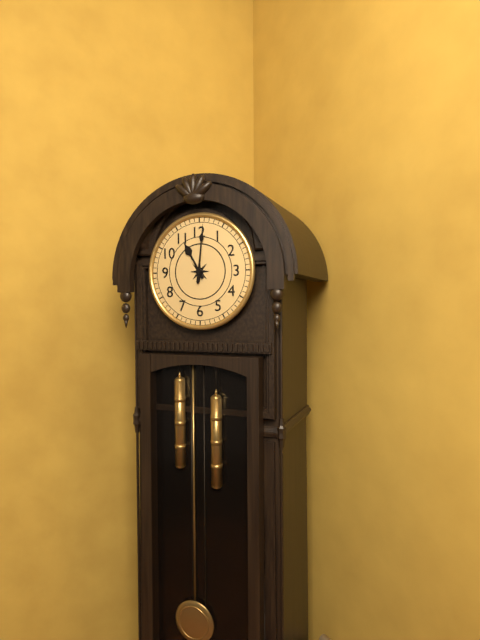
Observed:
{"hour": 11, "minute": 1}
